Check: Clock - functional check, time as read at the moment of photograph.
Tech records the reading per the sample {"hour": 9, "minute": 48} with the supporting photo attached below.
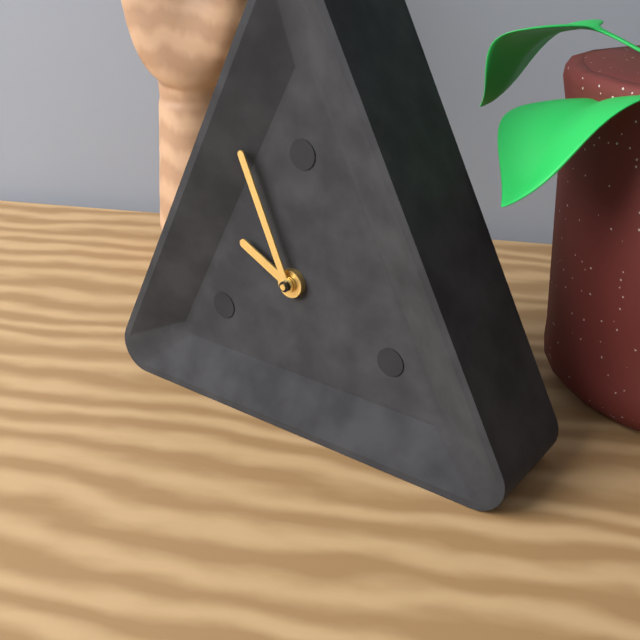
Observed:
{"hour": 9, "minute": 56}
